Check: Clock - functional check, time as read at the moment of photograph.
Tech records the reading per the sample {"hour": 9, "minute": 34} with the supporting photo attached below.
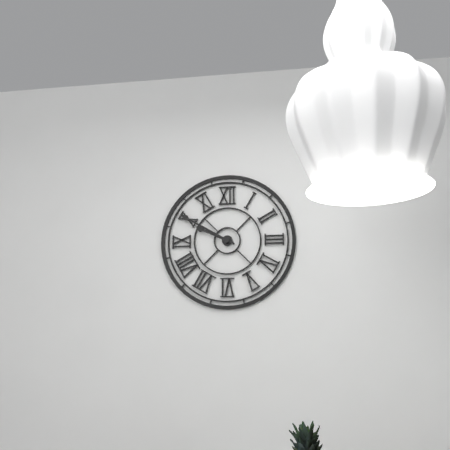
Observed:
{"hour": 9, "minute": 50}
